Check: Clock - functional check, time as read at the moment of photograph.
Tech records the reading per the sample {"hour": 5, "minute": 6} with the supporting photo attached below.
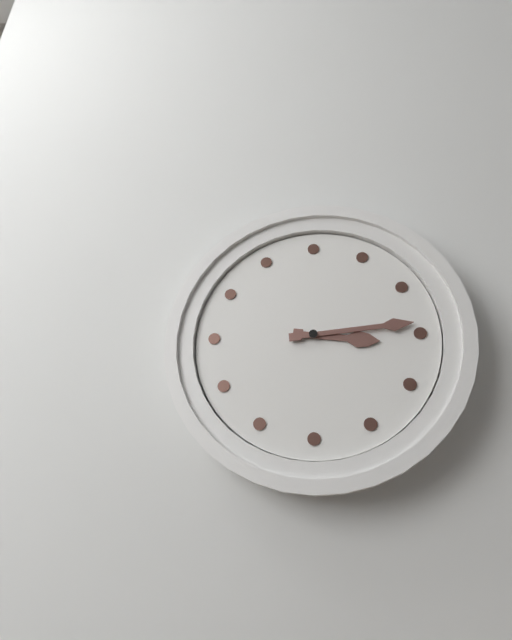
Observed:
{"hour": 3, "minute": 14}
